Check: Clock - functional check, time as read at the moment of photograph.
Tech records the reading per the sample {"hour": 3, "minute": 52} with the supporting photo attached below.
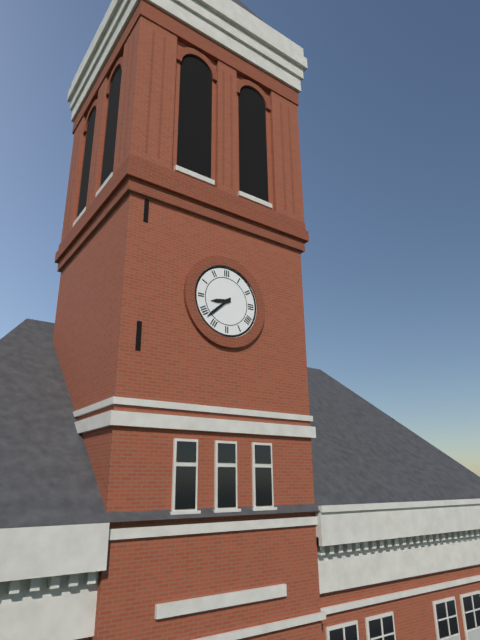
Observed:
{"hour": 8, "minute": 38}
